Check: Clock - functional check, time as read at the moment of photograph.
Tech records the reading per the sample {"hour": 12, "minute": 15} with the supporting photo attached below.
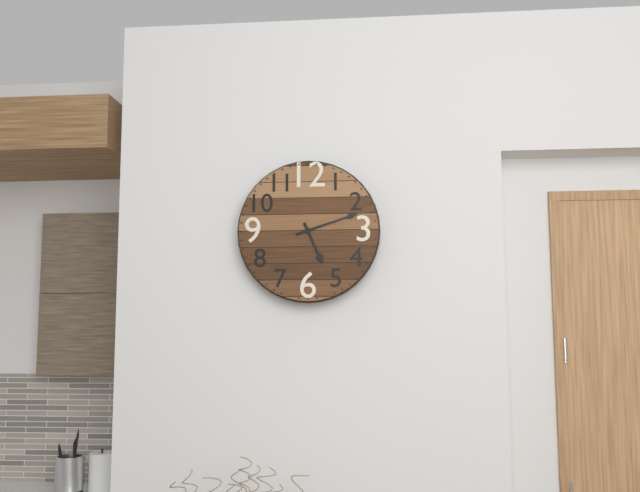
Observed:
{"hour": 5, "minute": 12}
